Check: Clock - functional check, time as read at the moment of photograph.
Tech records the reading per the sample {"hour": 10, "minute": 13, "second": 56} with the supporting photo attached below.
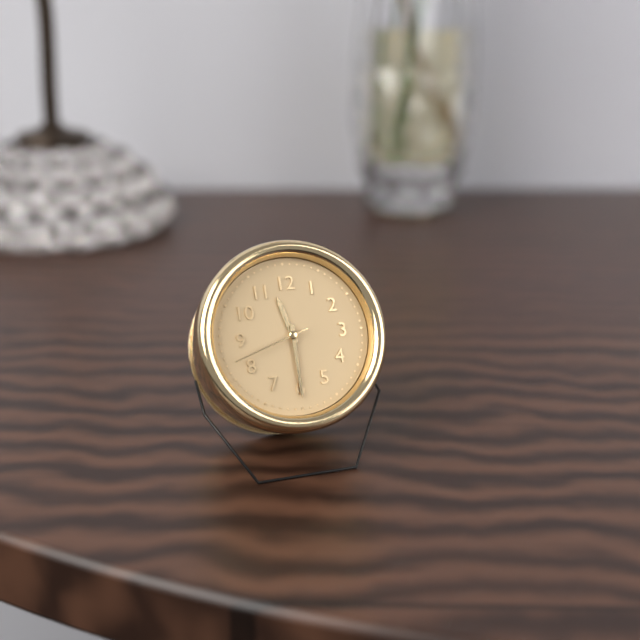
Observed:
{"hour": 11, "minute": 30, "second": 42}
